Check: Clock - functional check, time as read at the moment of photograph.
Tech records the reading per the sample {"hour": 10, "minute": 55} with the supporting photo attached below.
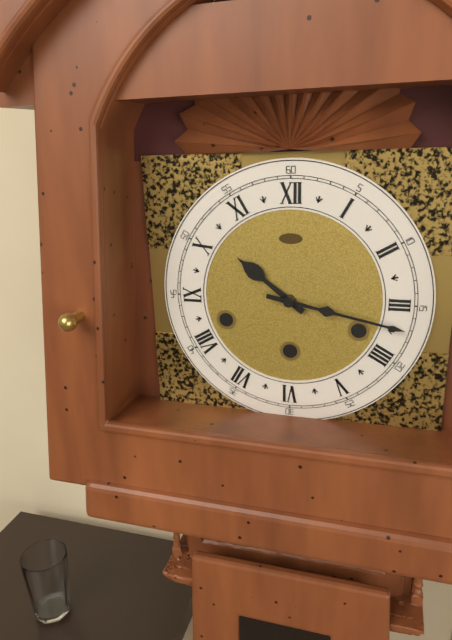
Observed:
{"hour": 10, "minute": 17}
